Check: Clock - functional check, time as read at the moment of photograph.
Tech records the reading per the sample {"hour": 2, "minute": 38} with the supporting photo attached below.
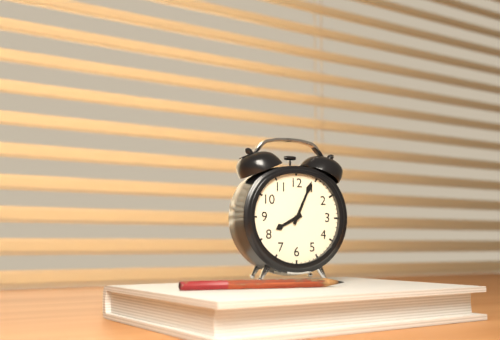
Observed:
{"hour": 8, "minute": 4}
